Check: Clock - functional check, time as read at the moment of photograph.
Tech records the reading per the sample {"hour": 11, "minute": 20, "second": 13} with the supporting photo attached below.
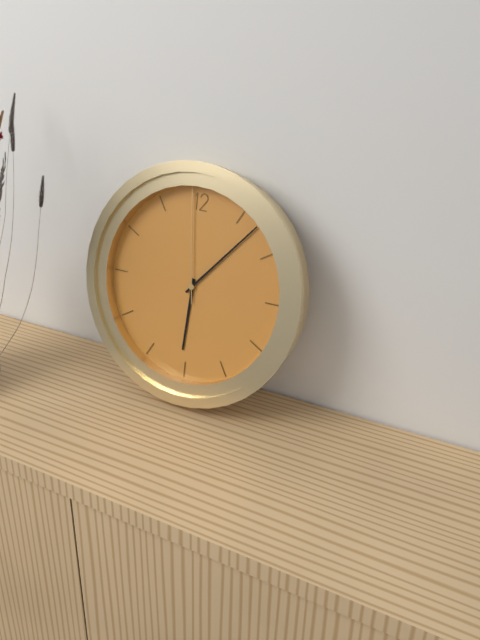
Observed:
{"hour": 6, "minute": 7, "second": 59}
